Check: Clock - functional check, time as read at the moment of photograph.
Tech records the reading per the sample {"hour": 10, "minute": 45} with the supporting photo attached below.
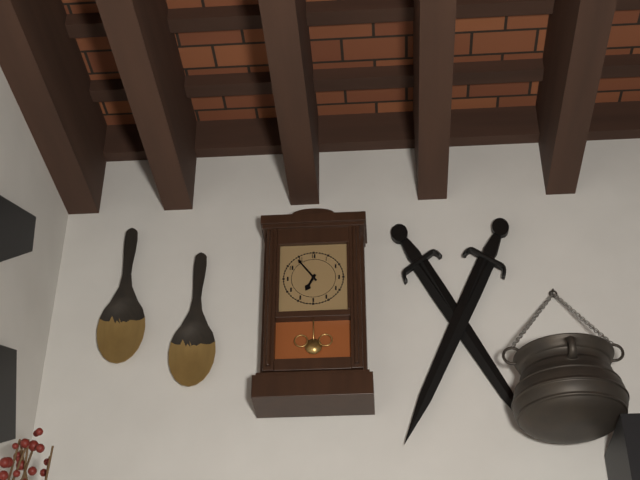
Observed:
{"hour": 6, "minute": 54}
